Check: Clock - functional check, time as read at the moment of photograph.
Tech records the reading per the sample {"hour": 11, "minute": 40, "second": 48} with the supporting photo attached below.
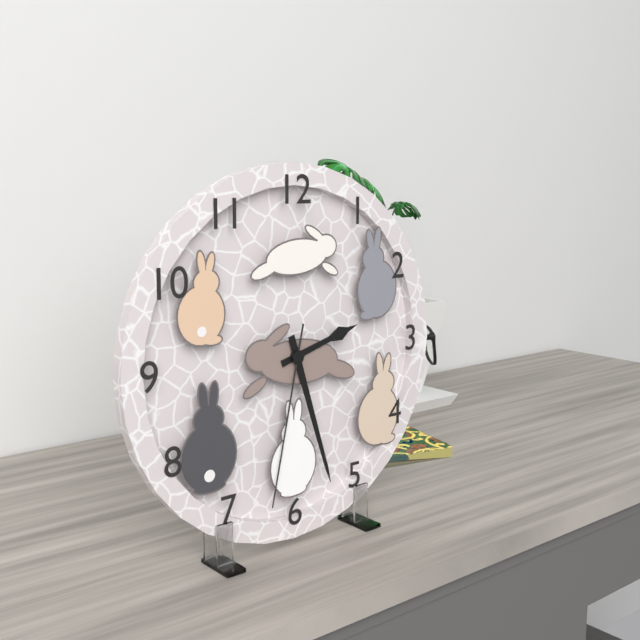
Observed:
{"hour": 2, "minute": 27, "second": 32}
